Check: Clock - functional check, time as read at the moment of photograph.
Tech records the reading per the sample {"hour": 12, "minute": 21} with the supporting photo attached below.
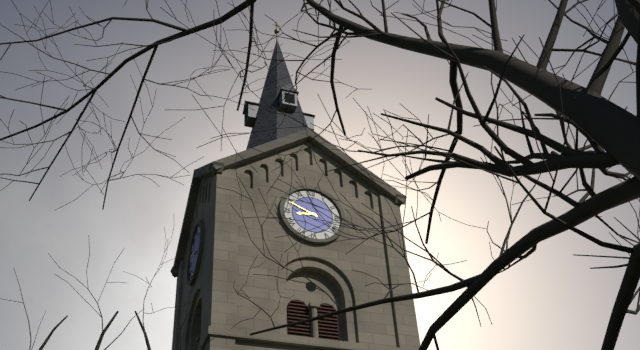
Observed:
{"hour": 8, "minute": 49}
